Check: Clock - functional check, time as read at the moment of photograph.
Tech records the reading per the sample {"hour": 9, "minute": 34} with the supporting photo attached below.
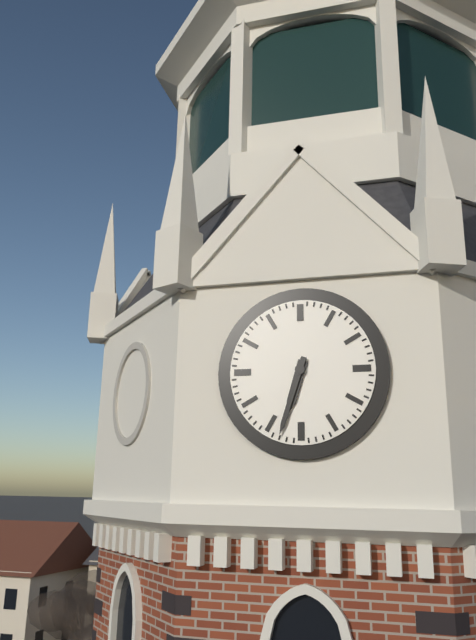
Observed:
{"hour": 6, "minute": 33}
